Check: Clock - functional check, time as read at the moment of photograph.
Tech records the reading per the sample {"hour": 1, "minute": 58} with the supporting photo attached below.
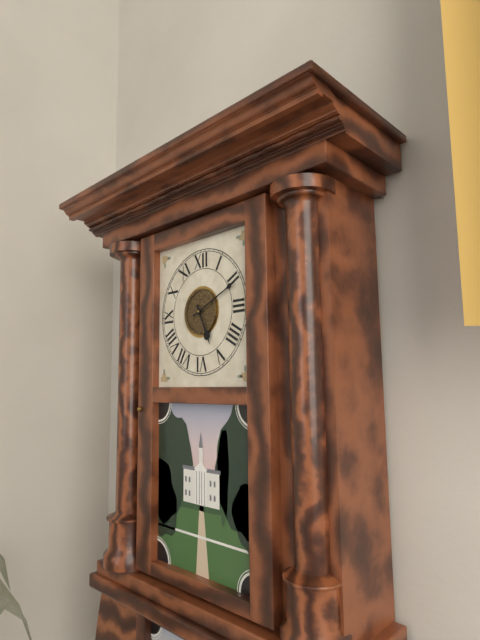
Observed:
{"hour": 5, "minute": 11}
